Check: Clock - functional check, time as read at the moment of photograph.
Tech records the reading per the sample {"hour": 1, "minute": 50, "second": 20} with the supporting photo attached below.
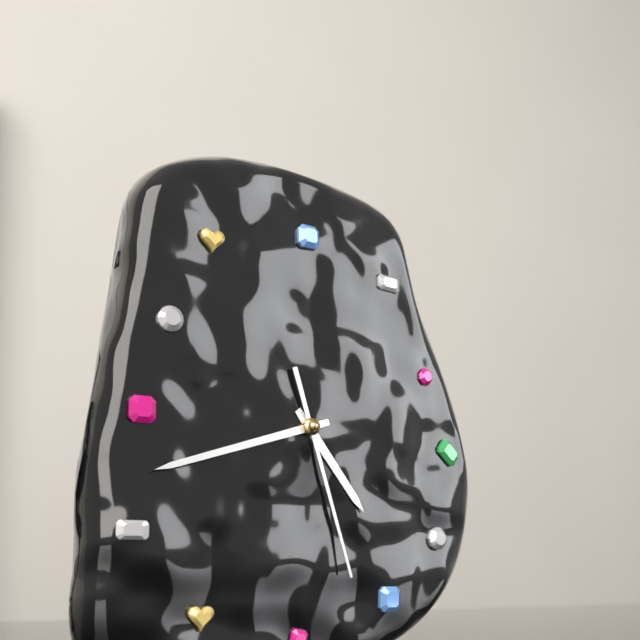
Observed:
{"hour": 4, "minute": 42, "second": 27}
